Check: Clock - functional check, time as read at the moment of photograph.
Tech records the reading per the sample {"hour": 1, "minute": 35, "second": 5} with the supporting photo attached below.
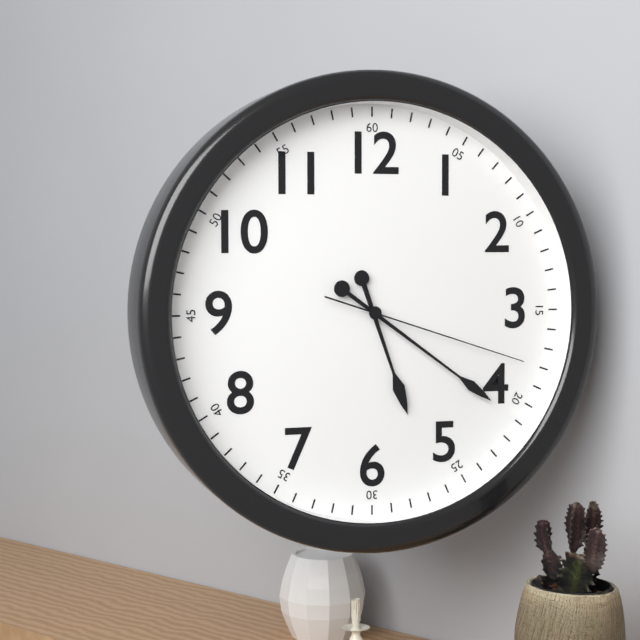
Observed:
{"hour": 5, "minute": 21, "second": 18}
